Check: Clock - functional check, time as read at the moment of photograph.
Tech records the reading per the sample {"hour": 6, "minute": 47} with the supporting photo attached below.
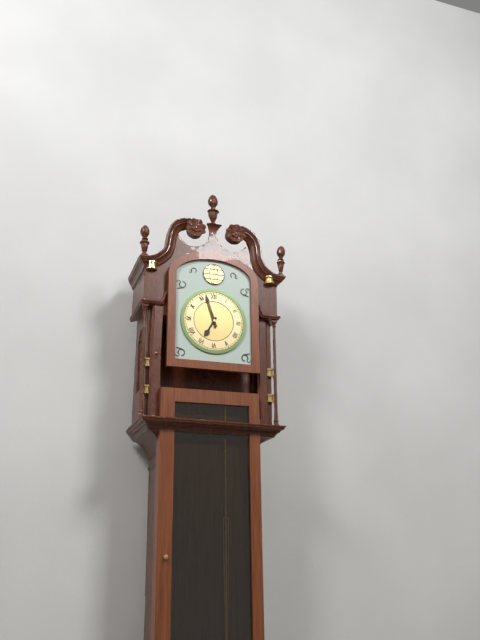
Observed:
{"hour": 6, "minute": 57}
